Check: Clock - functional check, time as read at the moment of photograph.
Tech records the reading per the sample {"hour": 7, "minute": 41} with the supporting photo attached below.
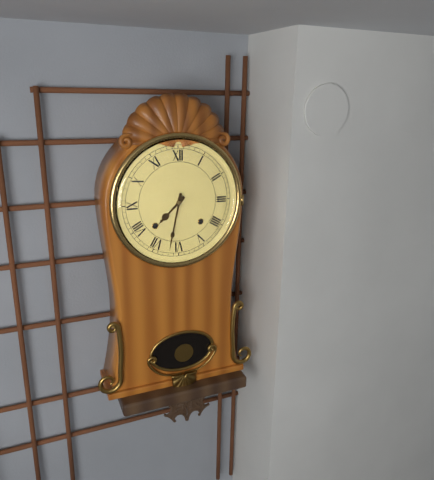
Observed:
{"hour": 7, "minute": 32}
